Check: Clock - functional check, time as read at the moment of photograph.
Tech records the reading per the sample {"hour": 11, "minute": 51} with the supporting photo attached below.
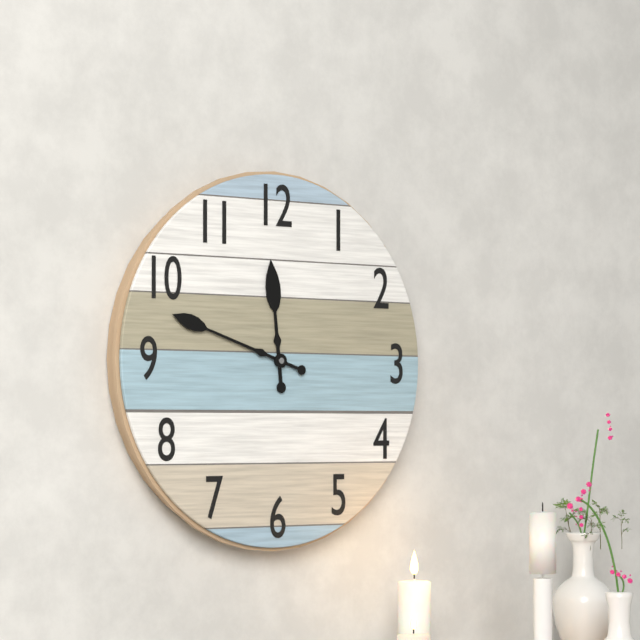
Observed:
{"hour": 11, "minute": 48}
